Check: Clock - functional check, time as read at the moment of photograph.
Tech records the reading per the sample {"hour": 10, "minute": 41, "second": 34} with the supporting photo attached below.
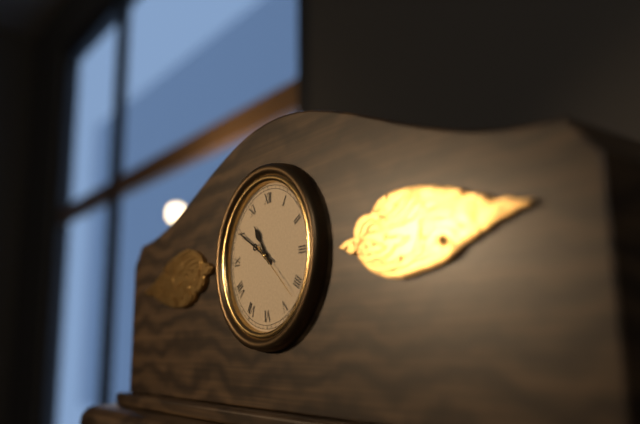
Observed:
{"hour": 10, "minute": 50, "second": 22}
